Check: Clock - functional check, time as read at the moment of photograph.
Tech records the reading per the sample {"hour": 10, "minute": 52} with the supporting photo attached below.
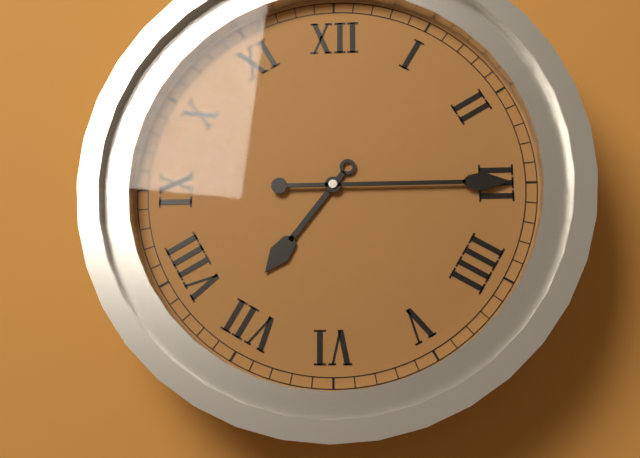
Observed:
{"hour": 7, "minute": 15}
